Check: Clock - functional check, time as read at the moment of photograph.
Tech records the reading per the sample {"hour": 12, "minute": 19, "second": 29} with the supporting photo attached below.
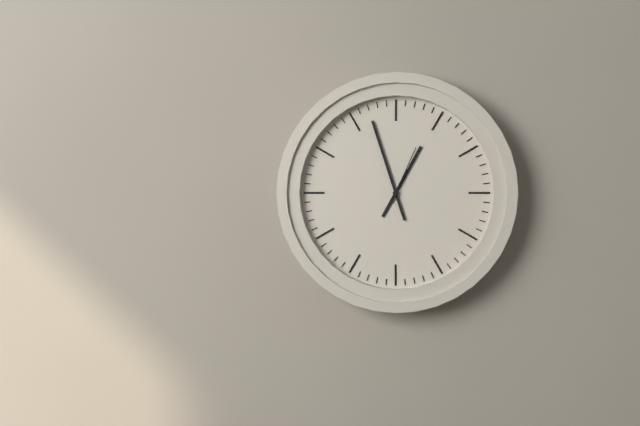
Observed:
{"hour": 12, "minute": 57, "second": 4}
